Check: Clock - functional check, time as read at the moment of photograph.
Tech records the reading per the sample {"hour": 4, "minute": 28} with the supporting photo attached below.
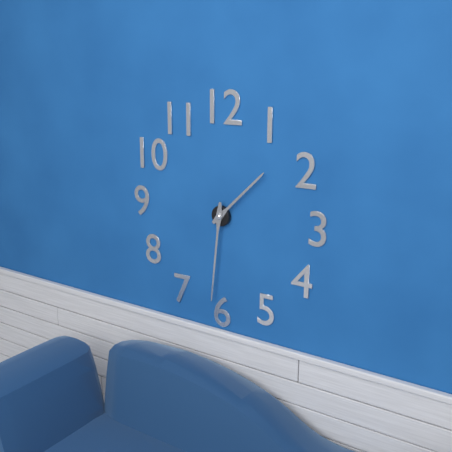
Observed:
{"hour": 1, "minute": 31}
